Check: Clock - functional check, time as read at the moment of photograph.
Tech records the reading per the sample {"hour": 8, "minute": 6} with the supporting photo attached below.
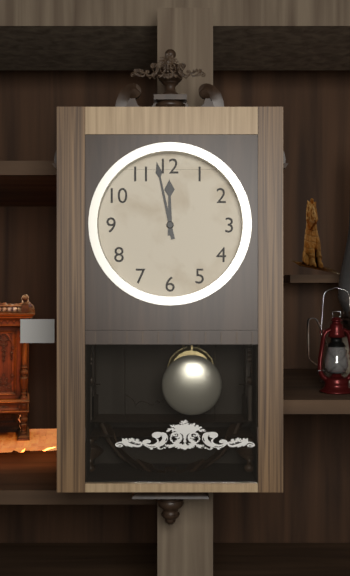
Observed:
{"hour": 11, "minute": 58}
